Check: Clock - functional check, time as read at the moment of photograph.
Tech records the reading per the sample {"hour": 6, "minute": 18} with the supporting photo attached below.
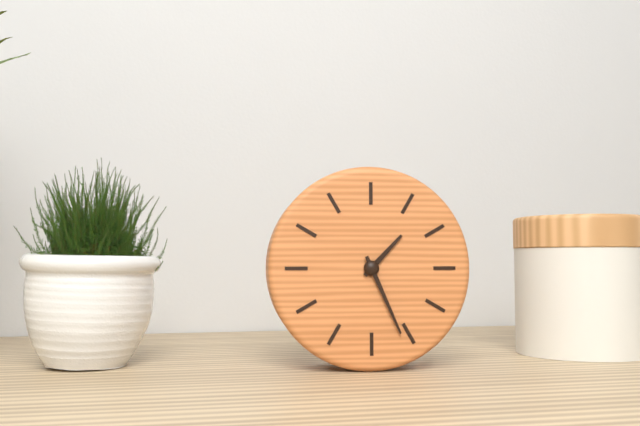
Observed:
{"hour": 1, "minute": 26}
